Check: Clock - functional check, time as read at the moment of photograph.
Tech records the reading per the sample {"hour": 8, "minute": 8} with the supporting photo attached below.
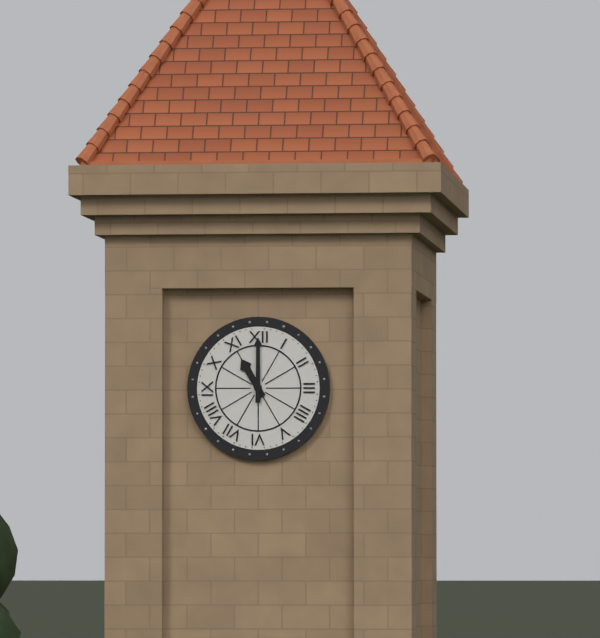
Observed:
{"hour": 11, "minute": 0}
